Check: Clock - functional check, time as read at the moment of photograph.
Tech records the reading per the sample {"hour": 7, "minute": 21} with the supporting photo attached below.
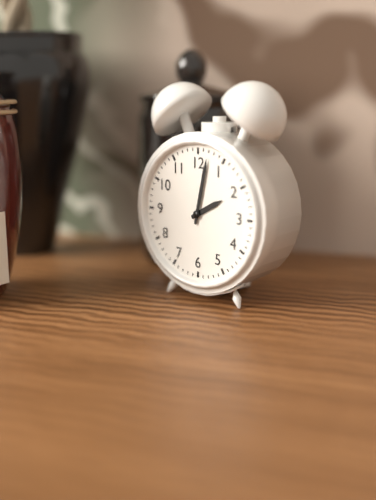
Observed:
{"hour": 2, "minute": 2}
